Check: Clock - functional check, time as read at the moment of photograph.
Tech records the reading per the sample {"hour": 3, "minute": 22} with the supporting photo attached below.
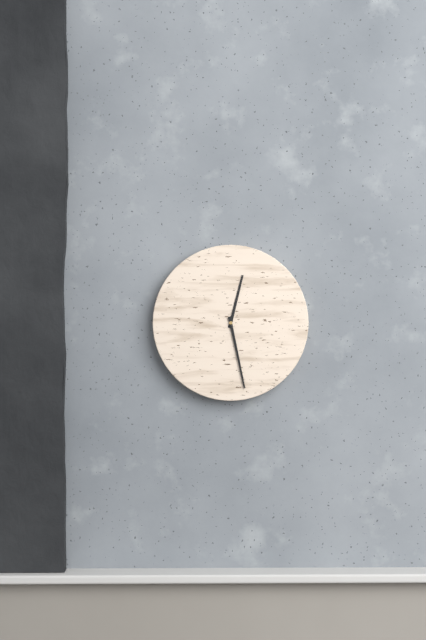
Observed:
{"hour": 12, "minute": 28}
